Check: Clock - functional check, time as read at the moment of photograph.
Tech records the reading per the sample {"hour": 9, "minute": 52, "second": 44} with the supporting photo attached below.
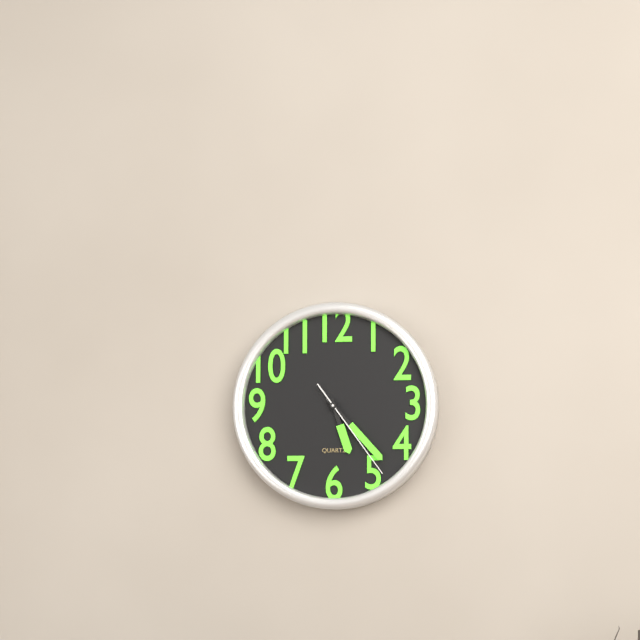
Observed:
{"hour": 5, "minute": 23, "second": 24}
